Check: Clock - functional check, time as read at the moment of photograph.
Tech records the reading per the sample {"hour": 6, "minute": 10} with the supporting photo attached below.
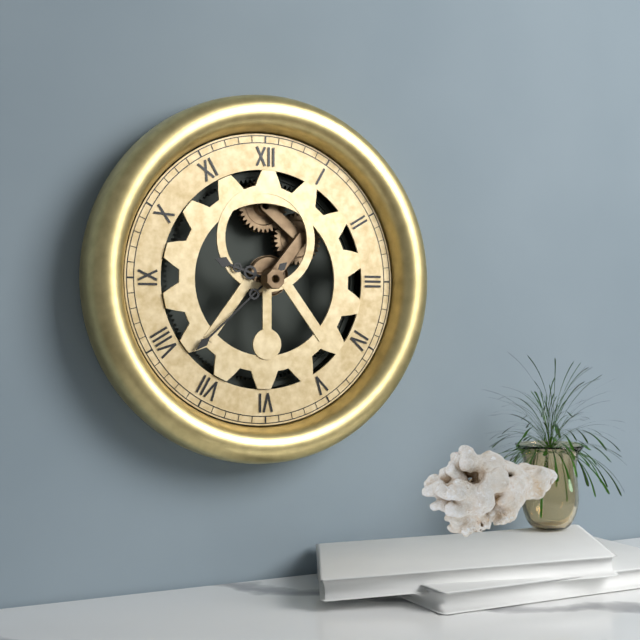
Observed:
{"hour": 9, "minute": 38}
